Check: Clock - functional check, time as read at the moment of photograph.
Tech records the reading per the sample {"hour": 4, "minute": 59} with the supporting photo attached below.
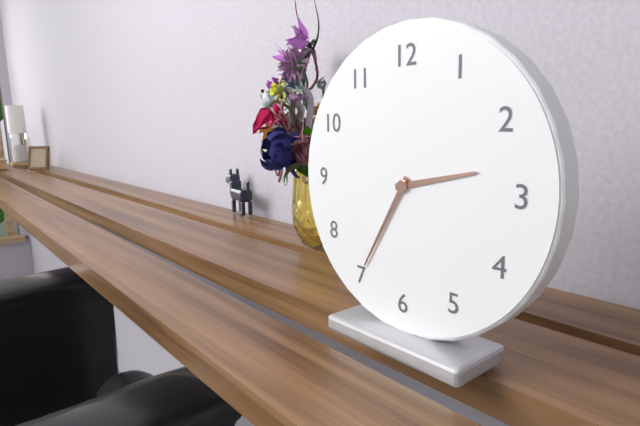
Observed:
{"hour": 2, "minute": 35}
